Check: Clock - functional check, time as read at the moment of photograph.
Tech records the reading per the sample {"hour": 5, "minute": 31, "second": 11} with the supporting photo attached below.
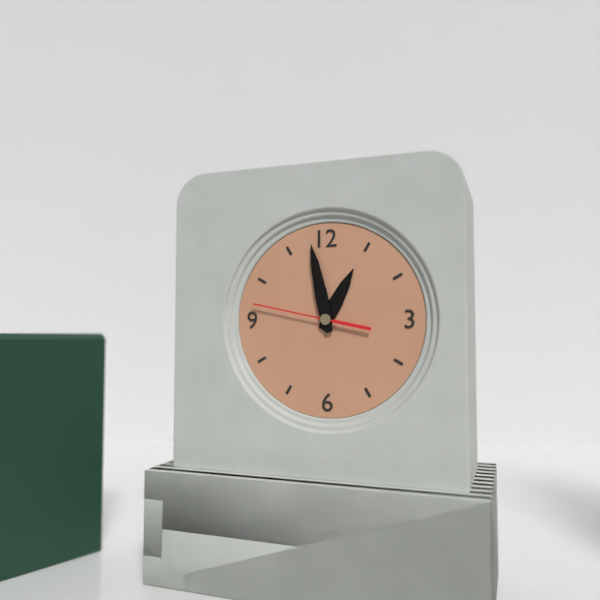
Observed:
{"hour": 12, "minute": 58, "second": 47}
